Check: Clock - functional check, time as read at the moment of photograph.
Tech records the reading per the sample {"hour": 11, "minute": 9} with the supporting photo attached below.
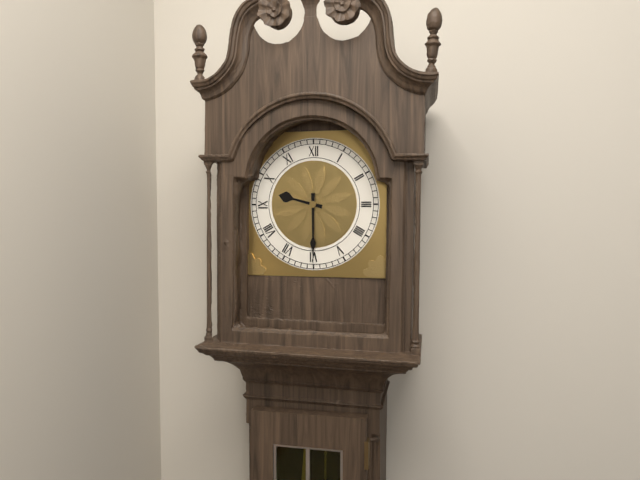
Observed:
{"hour": 9, "minute": 30}
